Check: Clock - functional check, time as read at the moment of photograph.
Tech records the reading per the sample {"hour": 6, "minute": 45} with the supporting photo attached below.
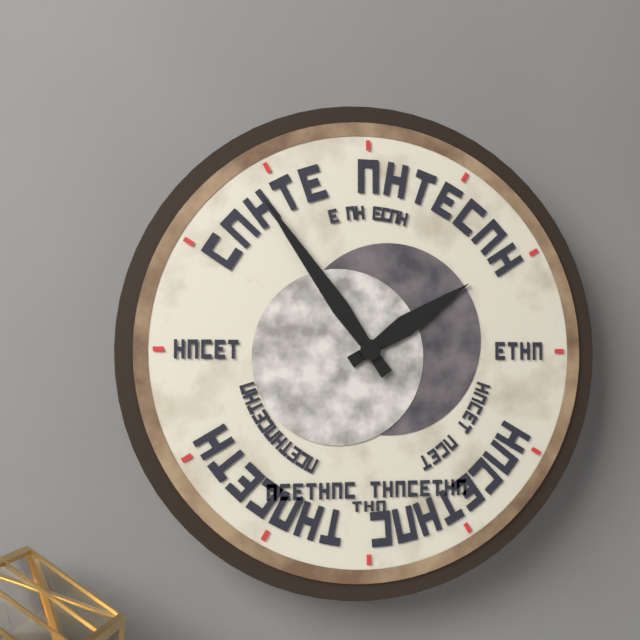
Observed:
{"hour": 1, "minute": 54}
